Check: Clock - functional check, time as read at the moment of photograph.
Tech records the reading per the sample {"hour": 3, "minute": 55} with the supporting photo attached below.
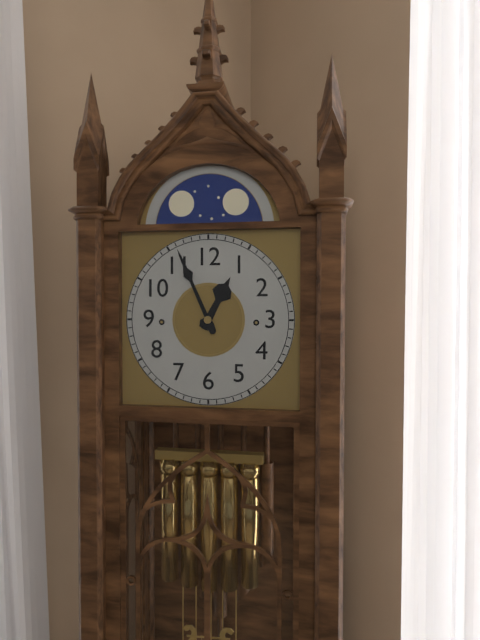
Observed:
{"hour": 12, "minute": 56}
